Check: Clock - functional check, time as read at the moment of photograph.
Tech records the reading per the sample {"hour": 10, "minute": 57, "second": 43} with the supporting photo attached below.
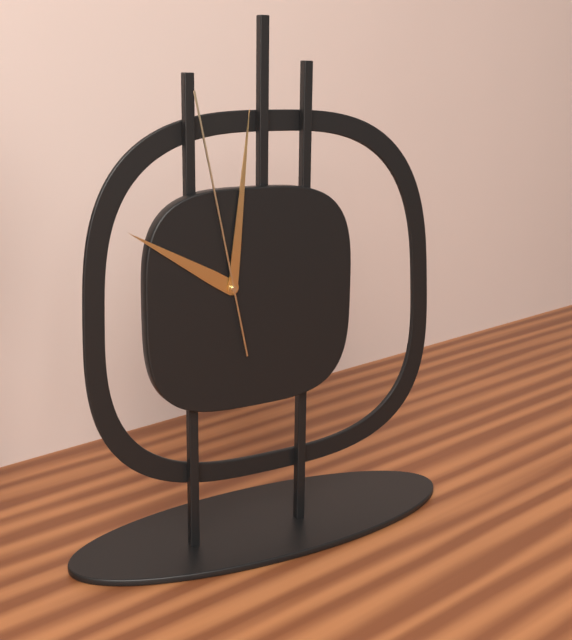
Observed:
{"hour": 10, "minute": 1, "second": 58}
